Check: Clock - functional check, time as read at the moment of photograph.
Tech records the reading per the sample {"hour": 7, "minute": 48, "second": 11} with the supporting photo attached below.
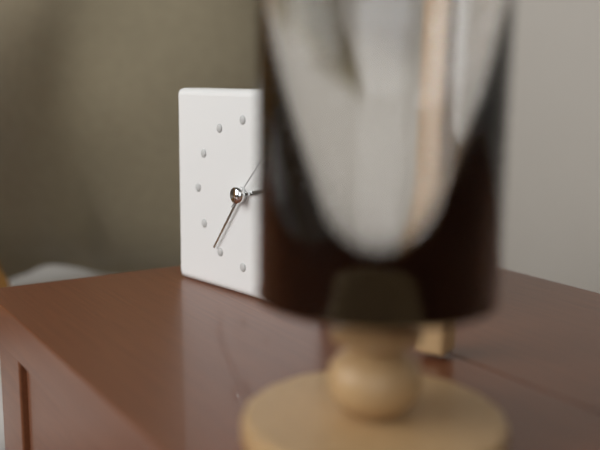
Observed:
{"hour": 2, "minute": 36, "second": 7}
